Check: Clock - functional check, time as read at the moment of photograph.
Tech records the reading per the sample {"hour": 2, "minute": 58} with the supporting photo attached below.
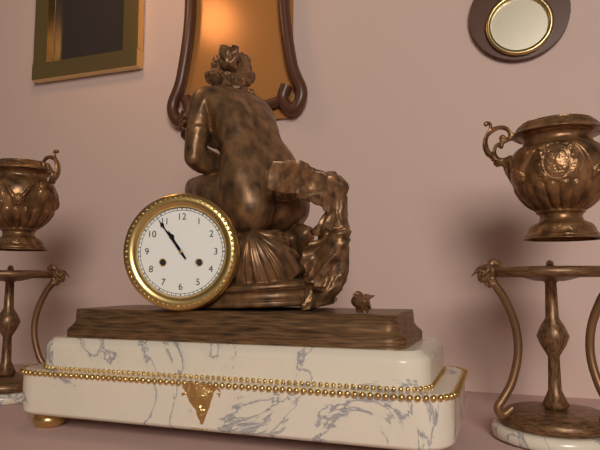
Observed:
{"hour": 10, "minute": 54}
